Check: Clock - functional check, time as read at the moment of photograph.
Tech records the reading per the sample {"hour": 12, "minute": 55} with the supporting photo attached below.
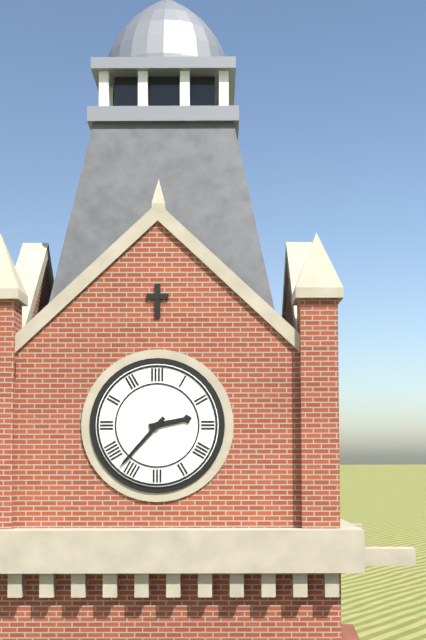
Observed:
{"hour": 2, "minute": 37}
